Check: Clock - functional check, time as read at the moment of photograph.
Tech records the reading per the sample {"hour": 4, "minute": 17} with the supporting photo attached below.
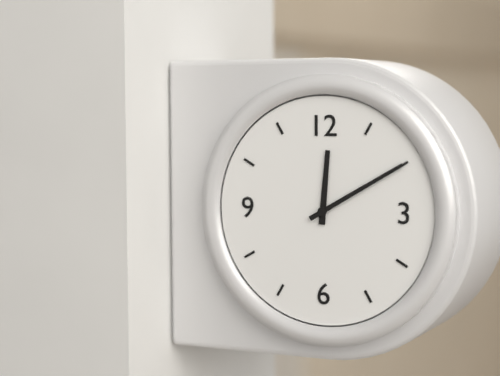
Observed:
{"hour": 12, "minute": 10}
